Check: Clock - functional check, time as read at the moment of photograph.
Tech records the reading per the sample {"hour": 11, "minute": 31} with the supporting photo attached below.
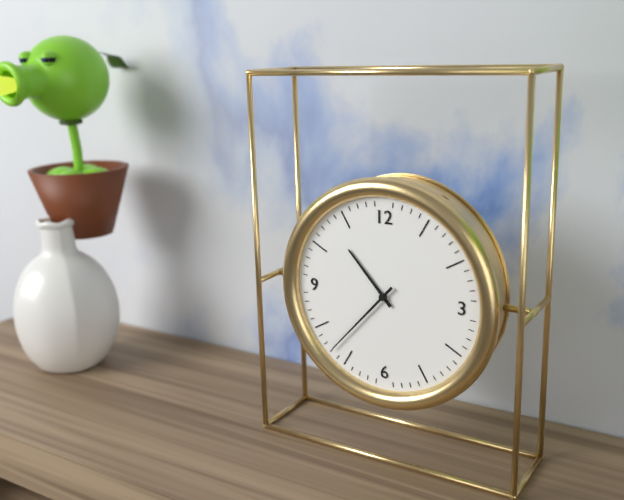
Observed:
{"hour": 10, "minute": 37}
